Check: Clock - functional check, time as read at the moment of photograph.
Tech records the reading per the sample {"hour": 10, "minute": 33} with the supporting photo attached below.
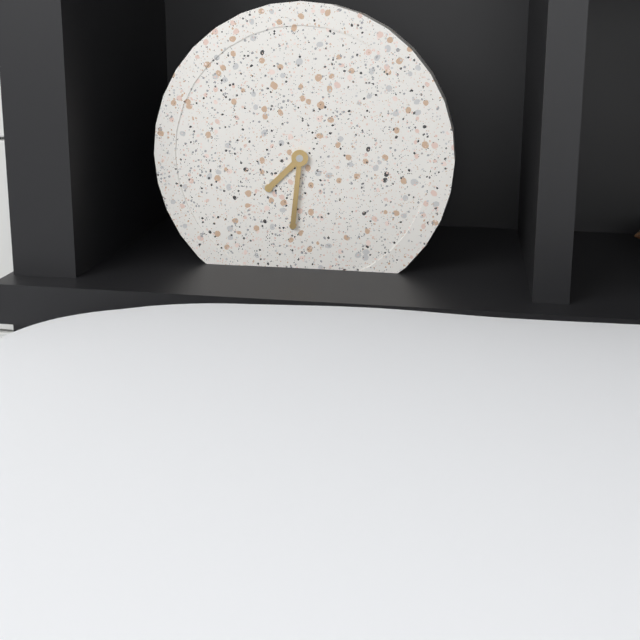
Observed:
{"hour": 7, "minute": 31}
